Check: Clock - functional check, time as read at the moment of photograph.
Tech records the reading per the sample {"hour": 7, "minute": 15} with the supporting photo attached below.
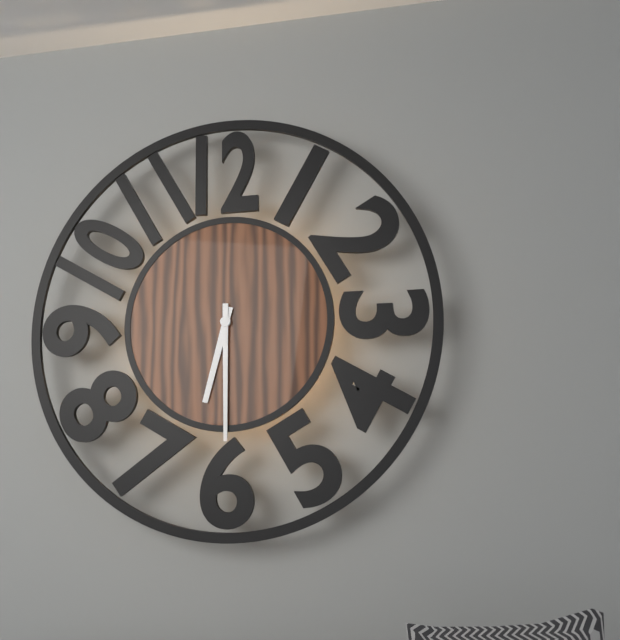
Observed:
{"hour": 6, "minute": 30}
